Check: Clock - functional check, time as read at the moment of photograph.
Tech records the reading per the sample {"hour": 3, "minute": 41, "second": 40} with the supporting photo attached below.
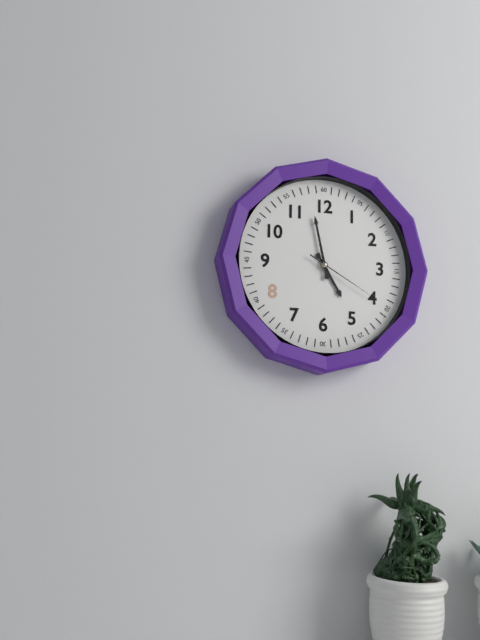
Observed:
{"hour": 4, "minute": 58, "second": 20}
